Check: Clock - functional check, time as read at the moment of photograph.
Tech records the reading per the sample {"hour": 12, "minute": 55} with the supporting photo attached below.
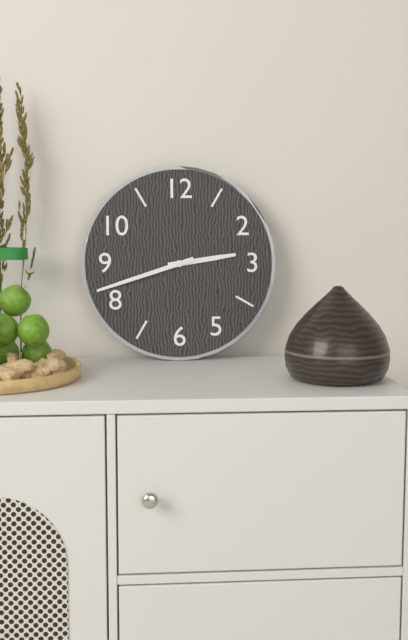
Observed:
{"hour": 2, "minute": 42}
